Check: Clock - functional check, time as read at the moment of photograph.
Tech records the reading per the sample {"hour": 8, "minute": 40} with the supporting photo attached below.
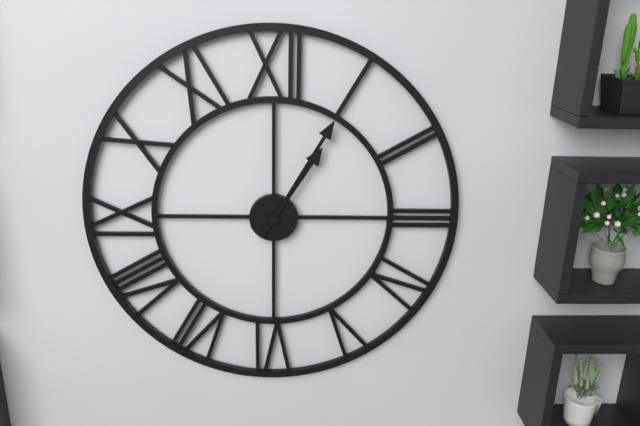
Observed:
{"hour": 1, "minute": 5}
